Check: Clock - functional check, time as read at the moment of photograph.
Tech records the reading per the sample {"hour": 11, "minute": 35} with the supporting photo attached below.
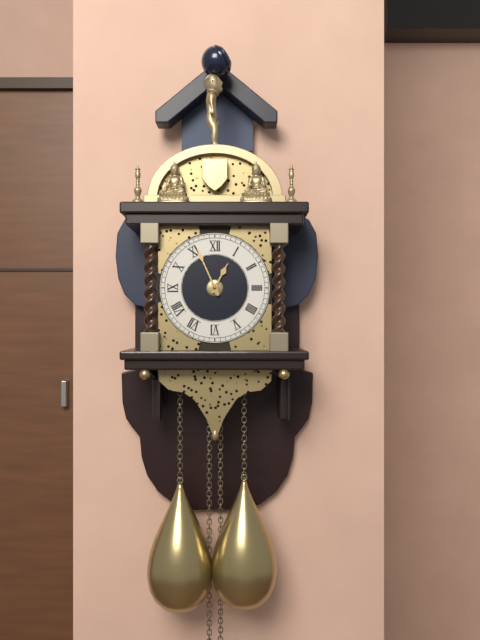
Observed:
{"hour": 12, "minute": 56}
